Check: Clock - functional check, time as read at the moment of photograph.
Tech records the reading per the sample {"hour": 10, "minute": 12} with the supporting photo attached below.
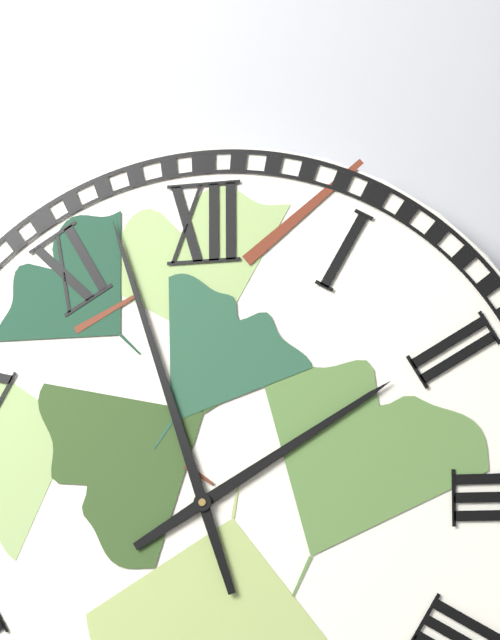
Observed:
{"hour": 1, "minute": 57}
